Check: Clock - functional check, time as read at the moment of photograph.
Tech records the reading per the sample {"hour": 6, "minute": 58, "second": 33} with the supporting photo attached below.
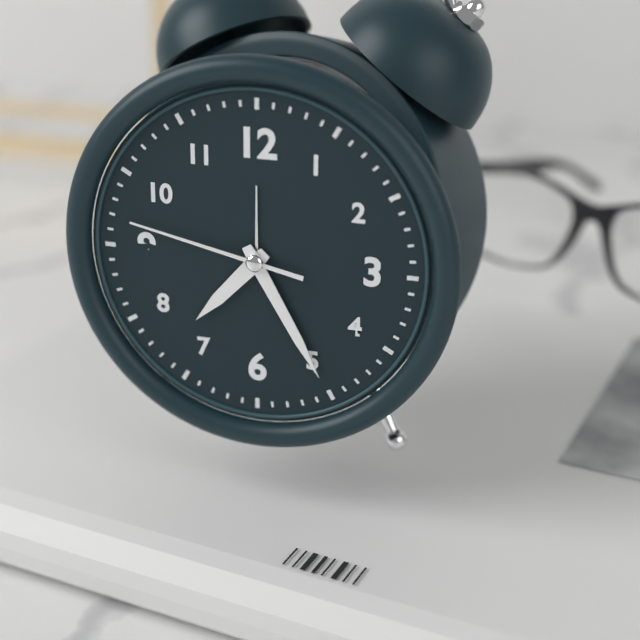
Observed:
{"hour": 7, "minute": 25, "second": 47}
